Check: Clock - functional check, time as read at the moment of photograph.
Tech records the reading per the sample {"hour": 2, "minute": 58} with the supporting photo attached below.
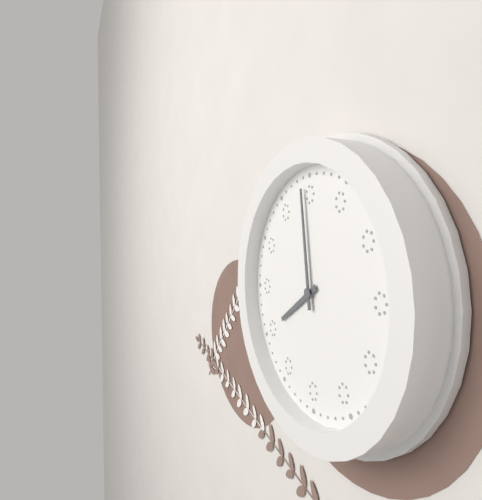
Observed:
{"hour": 7, "minute": 59}
